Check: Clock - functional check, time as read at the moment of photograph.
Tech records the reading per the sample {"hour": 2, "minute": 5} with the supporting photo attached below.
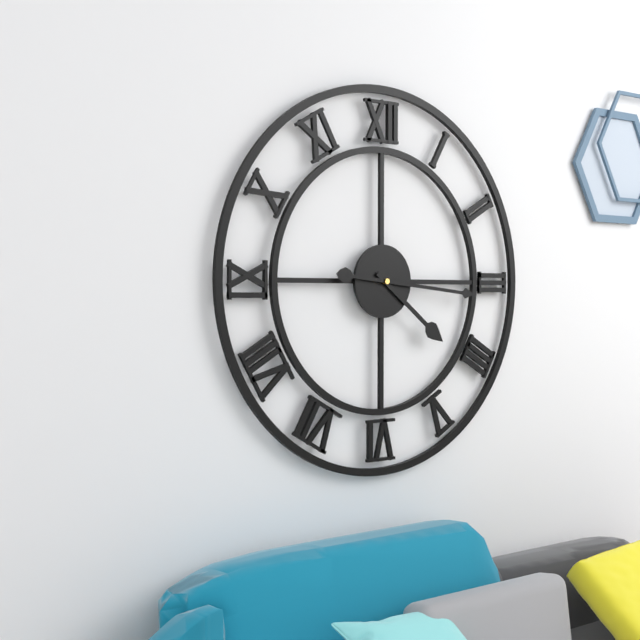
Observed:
{"hour": 4, "minute": 16}
